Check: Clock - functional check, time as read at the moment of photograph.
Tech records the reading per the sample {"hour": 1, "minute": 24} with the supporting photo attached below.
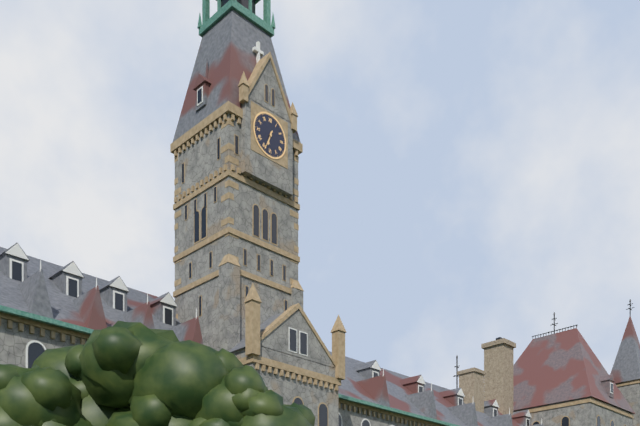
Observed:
{"hour": 6, "minute": 34}
